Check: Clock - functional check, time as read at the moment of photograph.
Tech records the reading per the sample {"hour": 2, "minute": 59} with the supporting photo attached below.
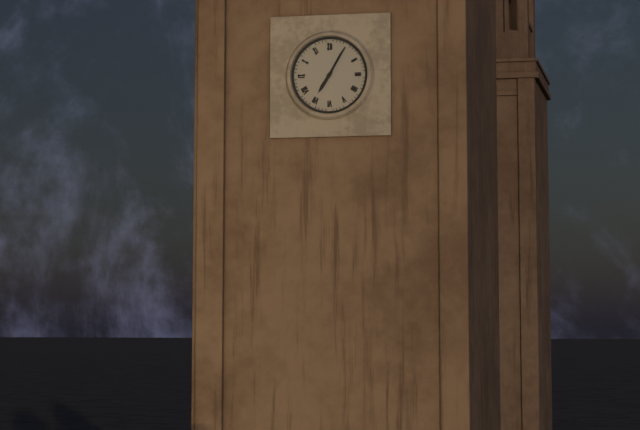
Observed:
{"hour": 7, "minute": 5}
